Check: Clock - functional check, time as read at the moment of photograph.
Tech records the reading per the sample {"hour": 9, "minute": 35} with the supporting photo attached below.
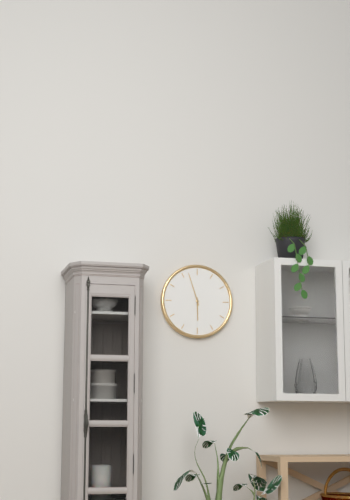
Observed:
{"hour": 5, "minute": 57}
